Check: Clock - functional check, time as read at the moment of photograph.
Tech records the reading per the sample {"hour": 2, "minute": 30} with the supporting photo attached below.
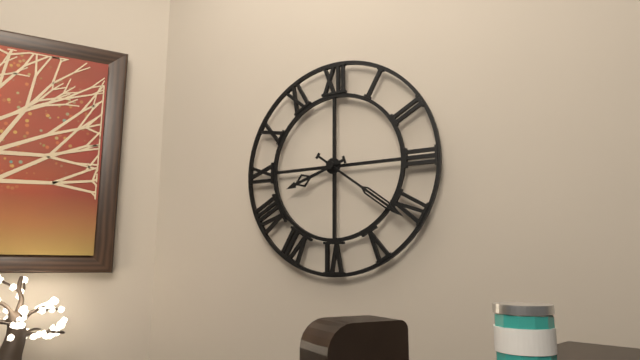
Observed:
{"hour": 8, "minute": 21}
